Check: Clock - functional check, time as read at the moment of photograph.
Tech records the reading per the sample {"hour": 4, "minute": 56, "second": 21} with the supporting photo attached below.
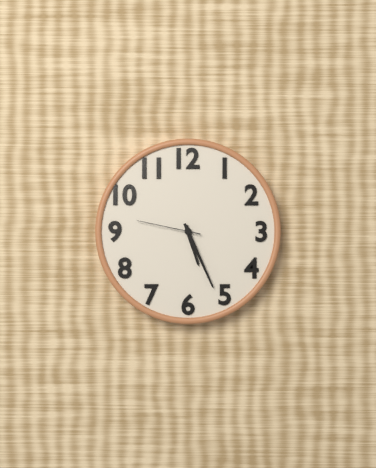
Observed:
{"hour": 5, "minute": 26, "second": 47}
